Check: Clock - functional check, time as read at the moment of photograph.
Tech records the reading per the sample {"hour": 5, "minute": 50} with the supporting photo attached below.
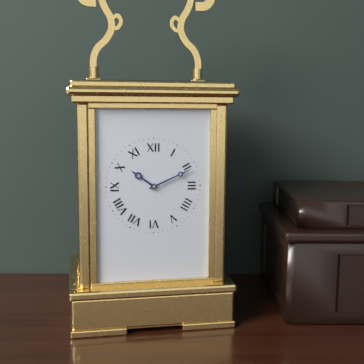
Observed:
{"hour": 10, "minute": 11}
